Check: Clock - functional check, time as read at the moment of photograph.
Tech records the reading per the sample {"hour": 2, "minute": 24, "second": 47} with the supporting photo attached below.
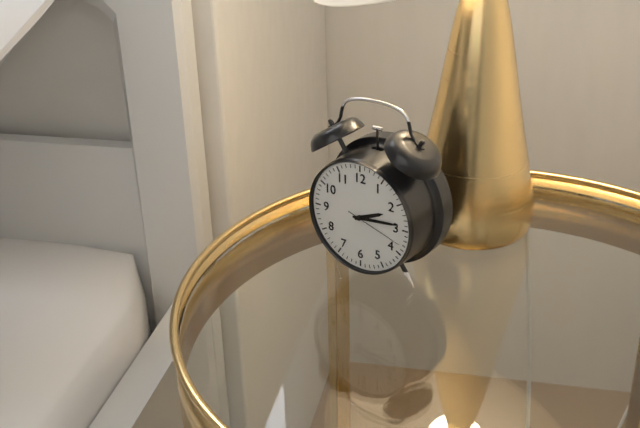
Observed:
{"hour": 2, "minute": 14, "second": 18}
